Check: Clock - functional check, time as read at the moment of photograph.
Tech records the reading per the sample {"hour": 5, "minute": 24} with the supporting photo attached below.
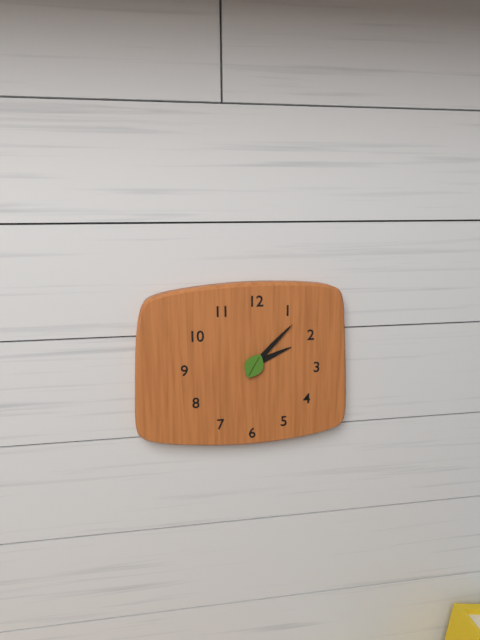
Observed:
{"hour": 2, "minute": 7}
